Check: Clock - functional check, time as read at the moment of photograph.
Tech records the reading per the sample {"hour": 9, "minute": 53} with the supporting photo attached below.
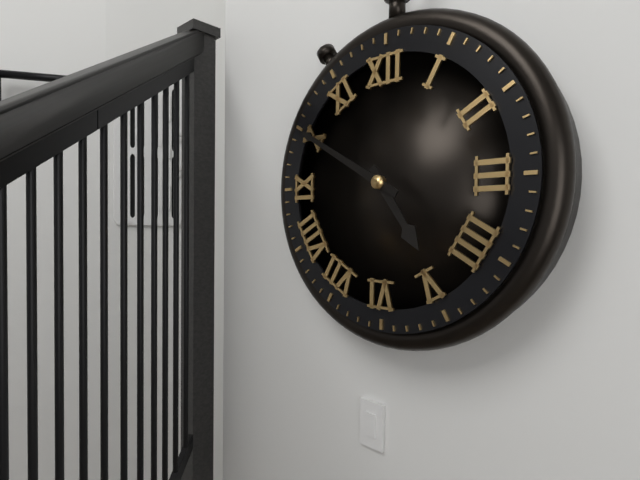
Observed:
{"hour": 4, "minute": 50}
